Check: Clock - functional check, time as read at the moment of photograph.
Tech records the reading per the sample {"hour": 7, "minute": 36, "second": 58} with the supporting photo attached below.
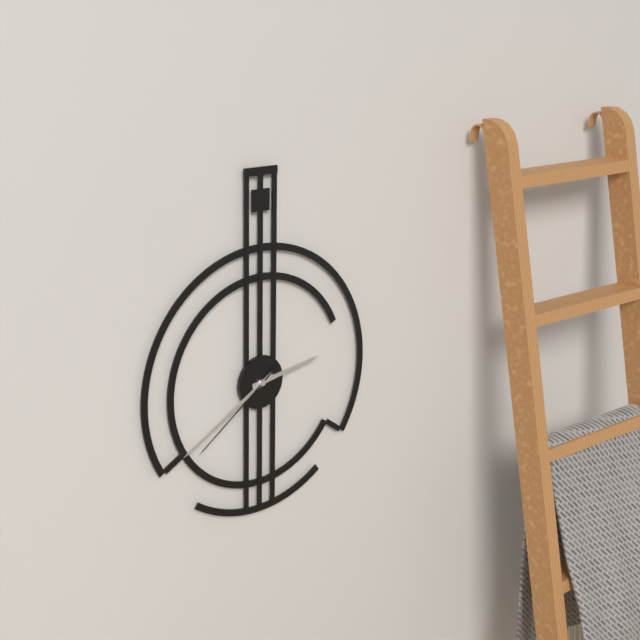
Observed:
{"hour": 2, "minute": 40, "second": 39}
